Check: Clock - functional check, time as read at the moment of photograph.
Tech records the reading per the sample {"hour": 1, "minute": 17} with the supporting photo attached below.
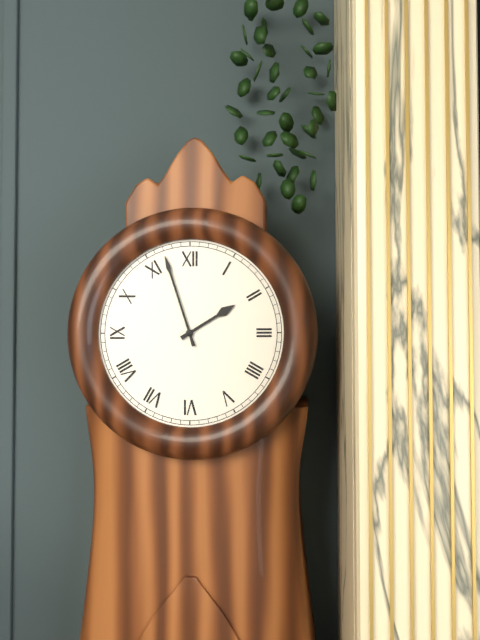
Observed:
{"hour": 1, "minute": 57}
